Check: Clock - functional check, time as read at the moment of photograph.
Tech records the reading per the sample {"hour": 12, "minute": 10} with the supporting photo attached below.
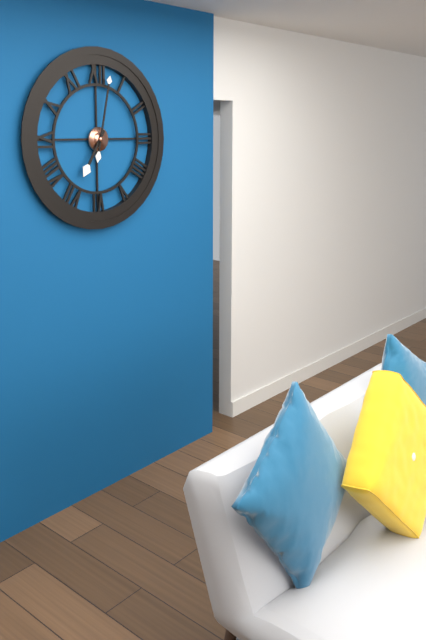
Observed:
{"hour": 7, "minute": 2}
